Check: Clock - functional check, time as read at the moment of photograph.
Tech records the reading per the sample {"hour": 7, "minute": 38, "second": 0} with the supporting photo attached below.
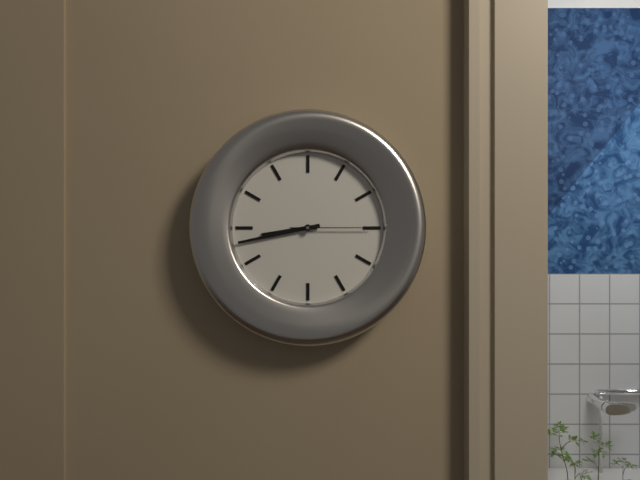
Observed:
{"hour": 8, "minute": 43, "second": 15}
